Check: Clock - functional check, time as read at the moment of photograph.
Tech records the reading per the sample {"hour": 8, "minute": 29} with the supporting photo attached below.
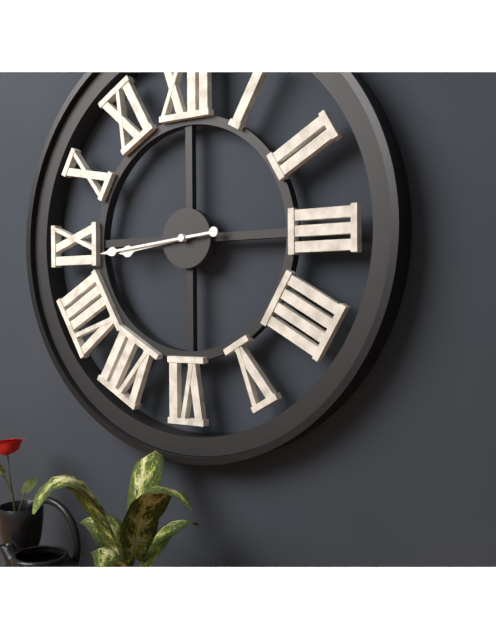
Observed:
{"hour": 8, "minute": 44}
